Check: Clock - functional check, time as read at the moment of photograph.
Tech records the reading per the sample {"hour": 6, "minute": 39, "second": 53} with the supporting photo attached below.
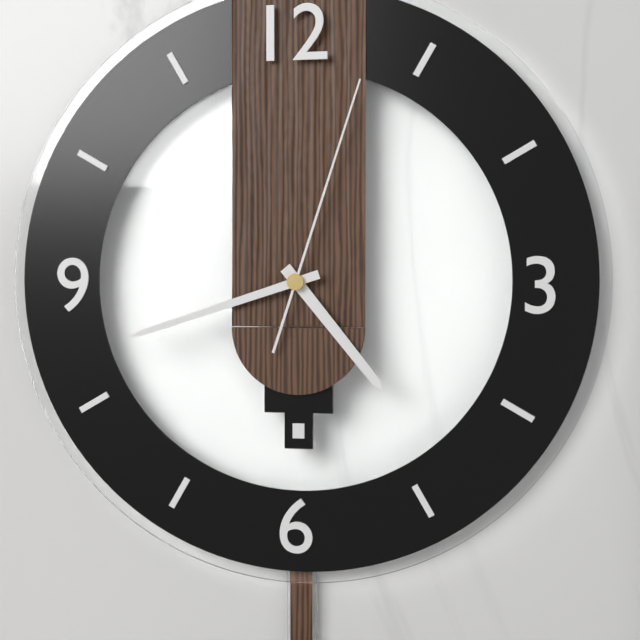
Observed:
{"hour": 4, "minute": 42, "second": 3}
